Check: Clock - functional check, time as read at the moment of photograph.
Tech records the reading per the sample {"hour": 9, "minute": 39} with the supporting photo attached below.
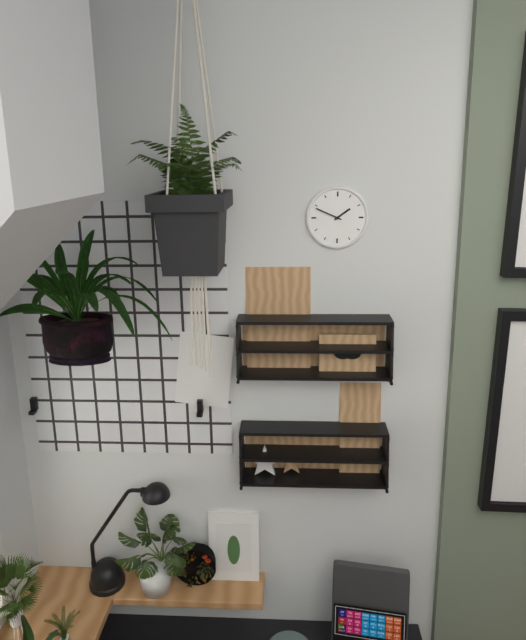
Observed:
{"hour": 1, "minute": 49}
